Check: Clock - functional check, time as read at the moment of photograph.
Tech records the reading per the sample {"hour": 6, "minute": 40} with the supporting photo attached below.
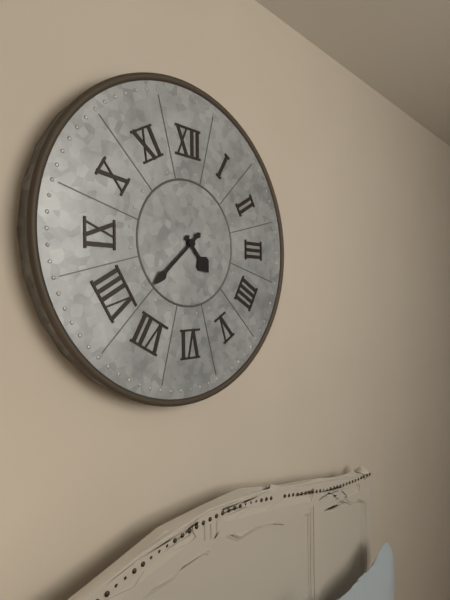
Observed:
{"hour": 4, "minute": 38}
